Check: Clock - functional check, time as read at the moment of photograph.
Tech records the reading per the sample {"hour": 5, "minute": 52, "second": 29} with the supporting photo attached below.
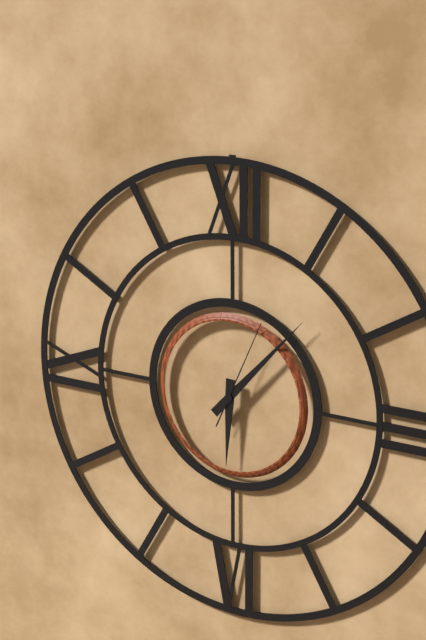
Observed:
{"hour": 6, "minute": 7, "second": 4}
